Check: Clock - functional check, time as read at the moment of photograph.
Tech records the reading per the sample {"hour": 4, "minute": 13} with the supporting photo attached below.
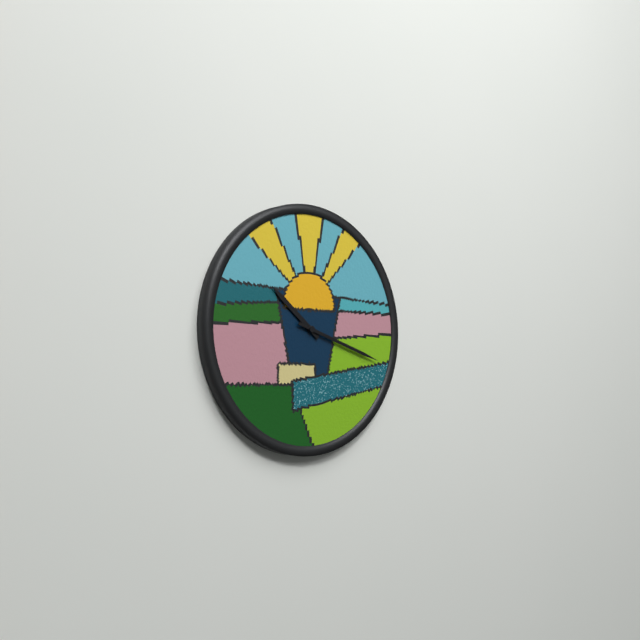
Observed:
{"hour": 10, "minute": 18}
